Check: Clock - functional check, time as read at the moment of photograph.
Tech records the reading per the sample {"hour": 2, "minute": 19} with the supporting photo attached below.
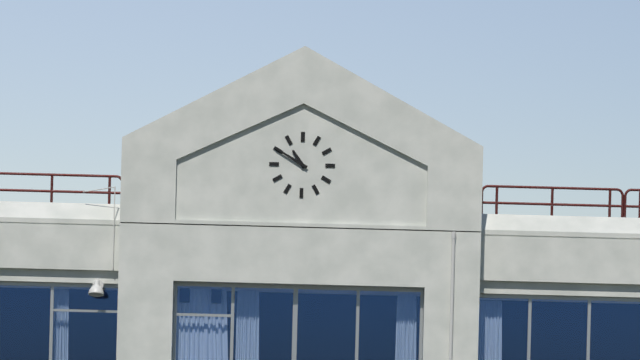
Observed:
{"hour": 10, "minute": 50}
